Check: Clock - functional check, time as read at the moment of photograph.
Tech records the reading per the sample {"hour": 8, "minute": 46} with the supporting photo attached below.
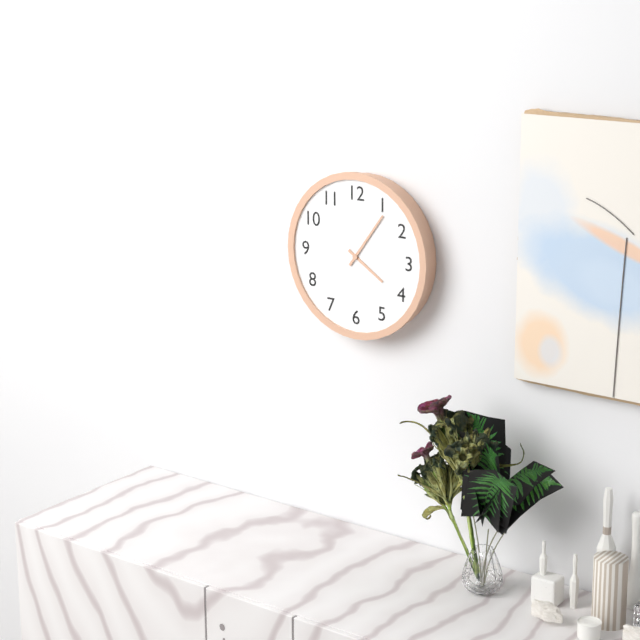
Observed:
{"hour": 4, "minute": 6}
